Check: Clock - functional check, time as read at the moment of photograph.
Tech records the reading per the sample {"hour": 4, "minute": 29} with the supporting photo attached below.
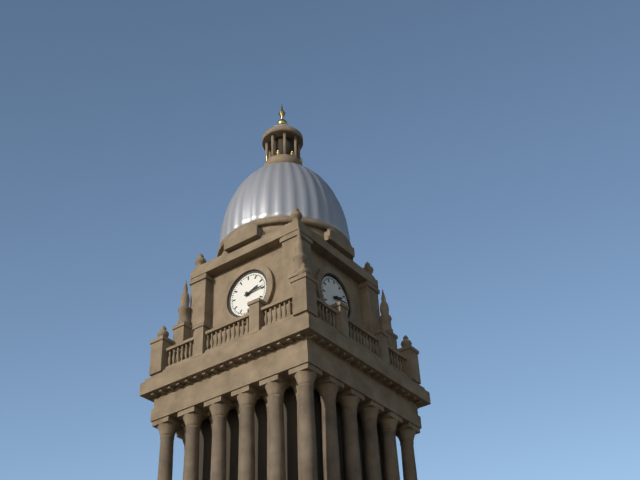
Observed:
{"hour": 2, "minute": 14}
